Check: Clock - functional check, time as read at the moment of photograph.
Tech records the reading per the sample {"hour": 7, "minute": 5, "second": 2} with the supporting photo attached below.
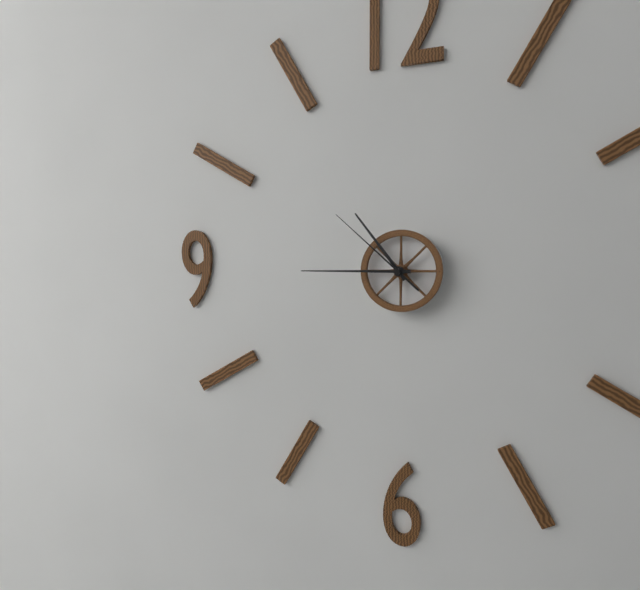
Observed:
{"hour": 10, "minute": 45, "second": 52}
